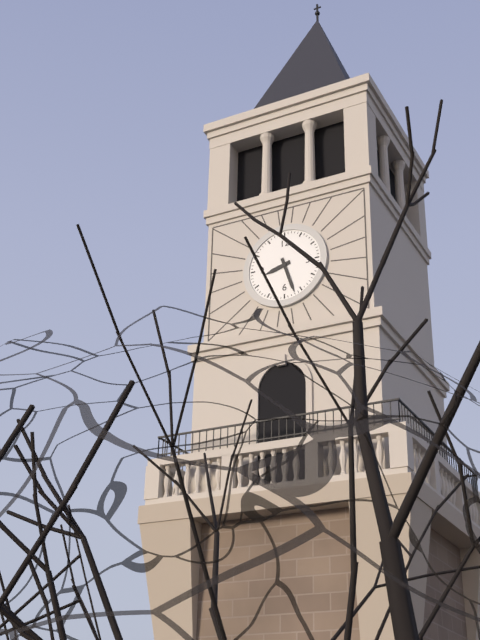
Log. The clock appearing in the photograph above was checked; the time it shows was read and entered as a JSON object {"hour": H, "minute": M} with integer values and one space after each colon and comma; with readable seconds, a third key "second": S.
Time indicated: {"hour": 8, "minute": 27}
